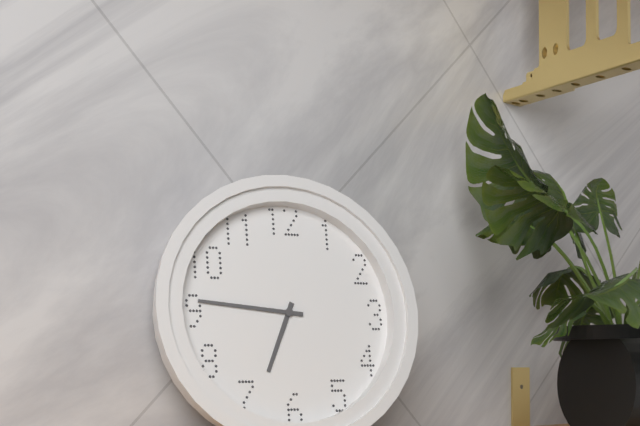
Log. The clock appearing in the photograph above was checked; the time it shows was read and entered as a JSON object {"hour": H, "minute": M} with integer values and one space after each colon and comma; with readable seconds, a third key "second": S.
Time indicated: {"hour": 6, "minute": 46}
